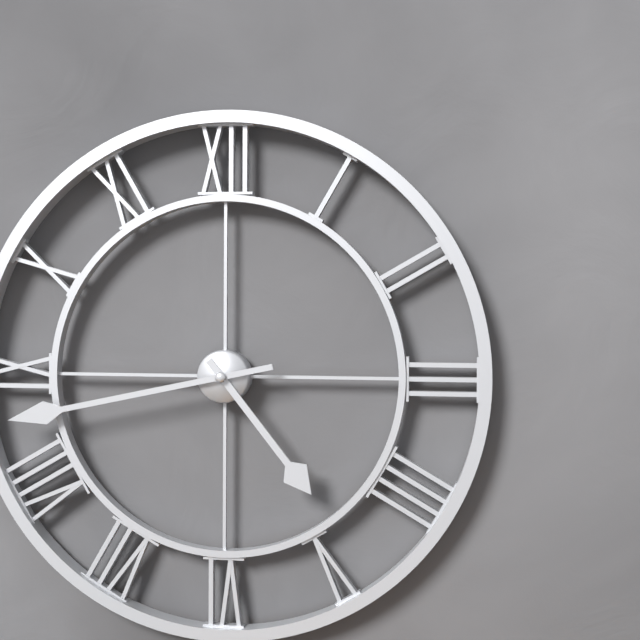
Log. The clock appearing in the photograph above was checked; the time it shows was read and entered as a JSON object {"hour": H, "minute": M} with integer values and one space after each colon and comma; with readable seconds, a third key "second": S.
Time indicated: {"hour": 4, "minute": 43}
